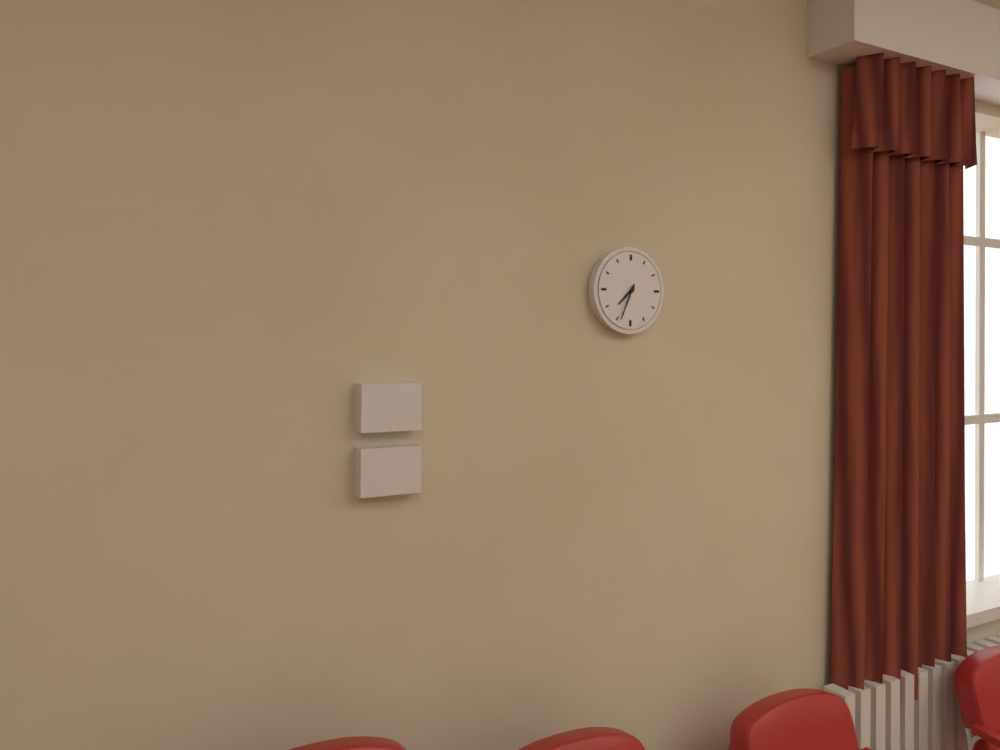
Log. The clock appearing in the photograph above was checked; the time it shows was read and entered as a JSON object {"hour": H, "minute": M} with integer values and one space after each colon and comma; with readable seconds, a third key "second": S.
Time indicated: {"hour": 7, "minute": 34}
